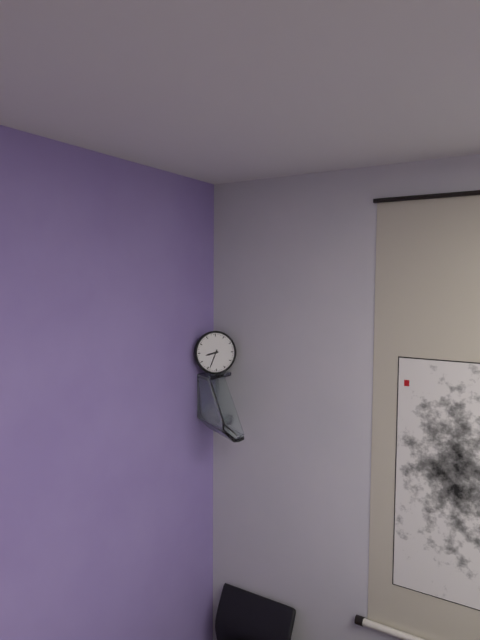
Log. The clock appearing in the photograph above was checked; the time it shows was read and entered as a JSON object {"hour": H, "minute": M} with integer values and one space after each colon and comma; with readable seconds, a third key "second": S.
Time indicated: {"hour": 8, "minute": 34}
